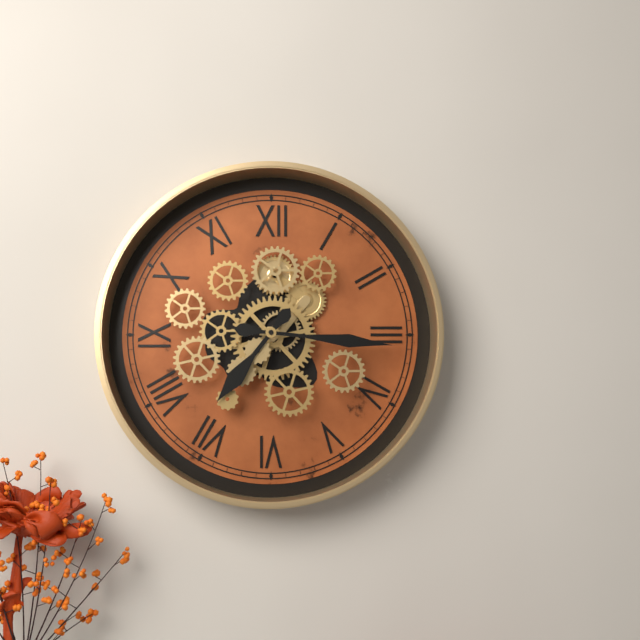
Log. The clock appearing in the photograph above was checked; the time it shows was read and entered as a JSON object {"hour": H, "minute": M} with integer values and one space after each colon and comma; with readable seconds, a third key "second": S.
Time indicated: {"hour": 7, "minute": 16}
